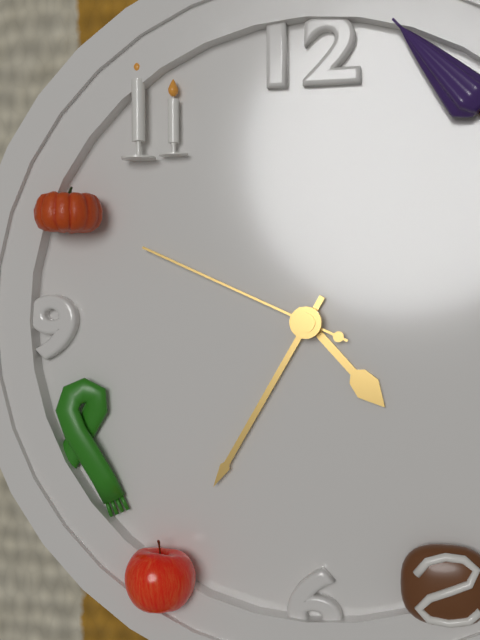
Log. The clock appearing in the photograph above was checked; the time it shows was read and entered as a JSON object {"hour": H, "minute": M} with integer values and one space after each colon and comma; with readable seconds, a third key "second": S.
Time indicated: {"hour": 4, "minute": 35, "second": 49}
